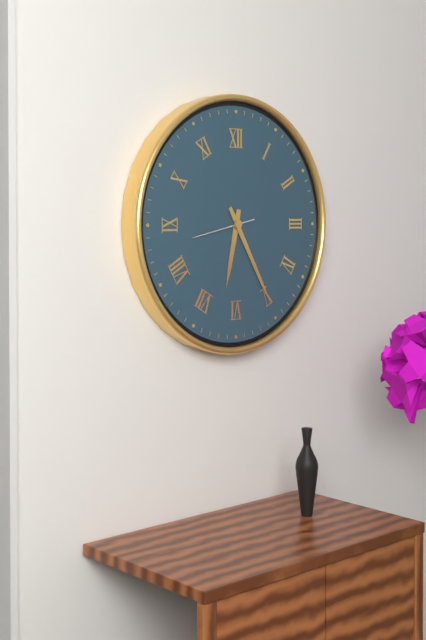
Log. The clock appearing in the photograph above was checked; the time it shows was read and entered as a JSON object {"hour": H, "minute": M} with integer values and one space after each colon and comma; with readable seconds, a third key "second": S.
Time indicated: {"hour": 6, "minute": 25, "second": 43}
